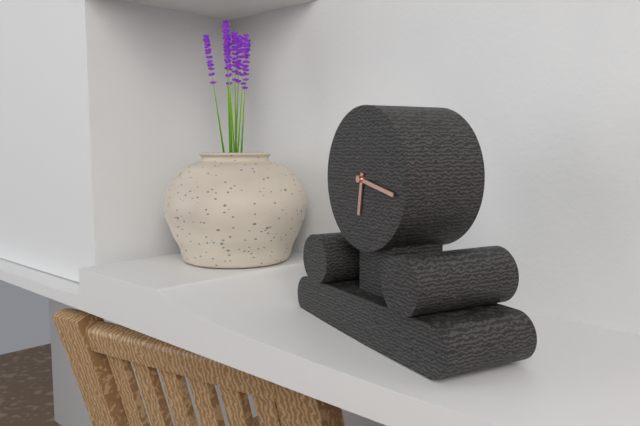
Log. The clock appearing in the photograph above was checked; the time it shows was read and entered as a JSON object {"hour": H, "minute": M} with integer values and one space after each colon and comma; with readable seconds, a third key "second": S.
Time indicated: {"hour": 6, "minute": 17}
